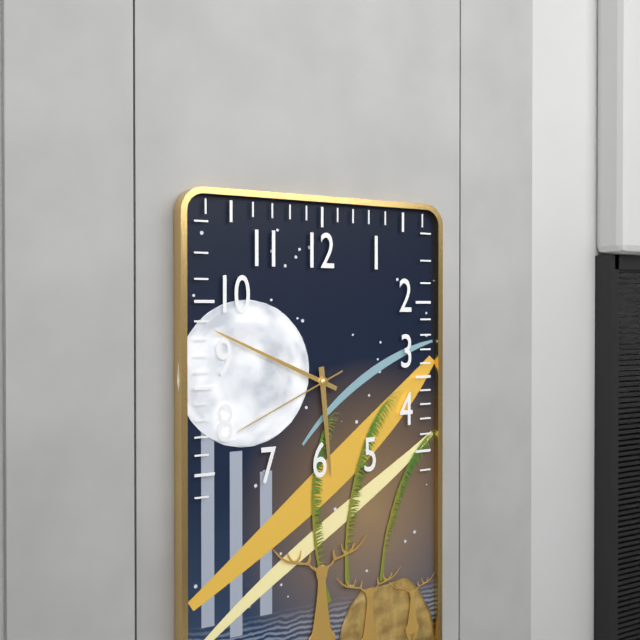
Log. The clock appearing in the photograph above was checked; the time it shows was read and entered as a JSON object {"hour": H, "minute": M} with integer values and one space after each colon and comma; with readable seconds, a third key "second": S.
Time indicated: {"hour": 5, "minute": 49, "second": 41}
